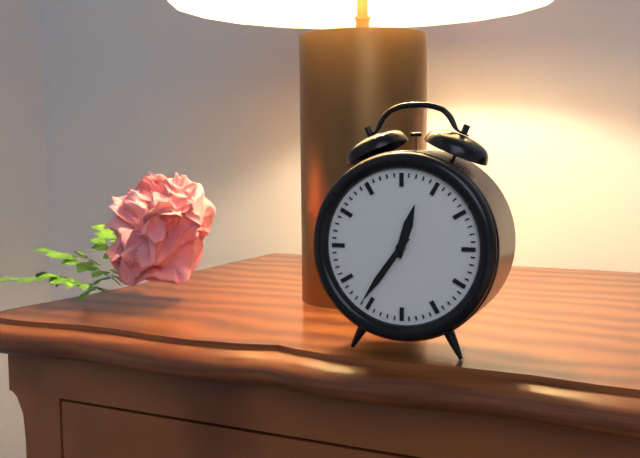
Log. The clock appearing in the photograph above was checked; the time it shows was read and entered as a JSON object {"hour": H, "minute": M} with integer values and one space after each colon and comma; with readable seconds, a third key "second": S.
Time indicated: {"hour": 12, "minute": 36}
